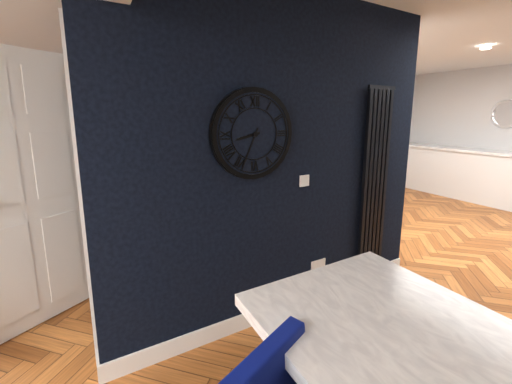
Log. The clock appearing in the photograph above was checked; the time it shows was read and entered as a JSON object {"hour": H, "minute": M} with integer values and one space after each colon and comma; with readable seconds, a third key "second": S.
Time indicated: {"hour": 8, "minute": 34}
